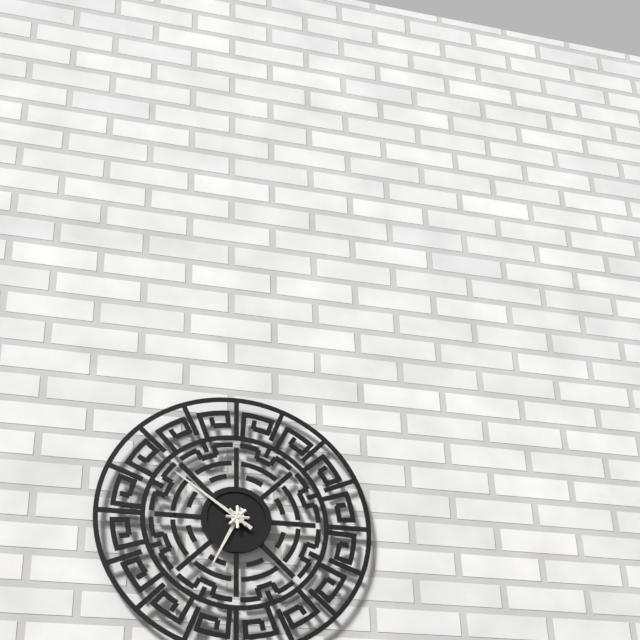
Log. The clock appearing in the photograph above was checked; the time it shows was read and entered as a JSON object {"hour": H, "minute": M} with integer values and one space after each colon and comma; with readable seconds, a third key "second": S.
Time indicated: {"hour": 6, "minute": 51}
